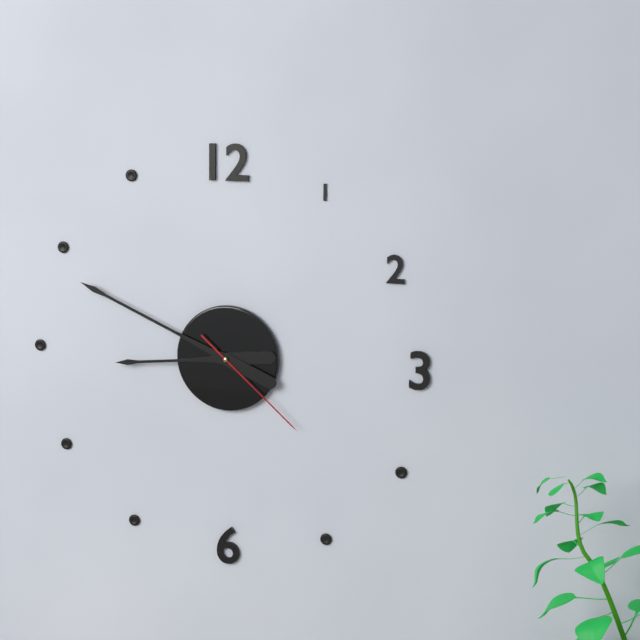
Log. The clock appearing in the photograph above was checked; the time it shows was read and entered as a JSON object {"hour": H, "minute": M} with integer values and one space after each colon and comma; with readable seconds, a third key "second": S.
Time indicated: {"hour": 8, "minute": 49, "second": 22}
